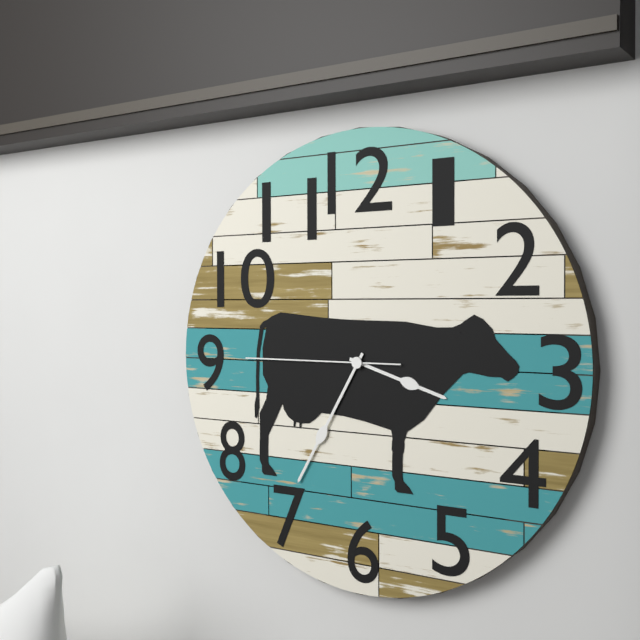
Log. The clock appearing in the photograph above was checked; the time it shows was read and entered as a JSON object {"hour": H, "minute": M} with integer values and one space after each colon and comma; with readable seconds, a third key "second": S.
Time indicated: {"hour": 3, "minute": 35, "second": 45}
